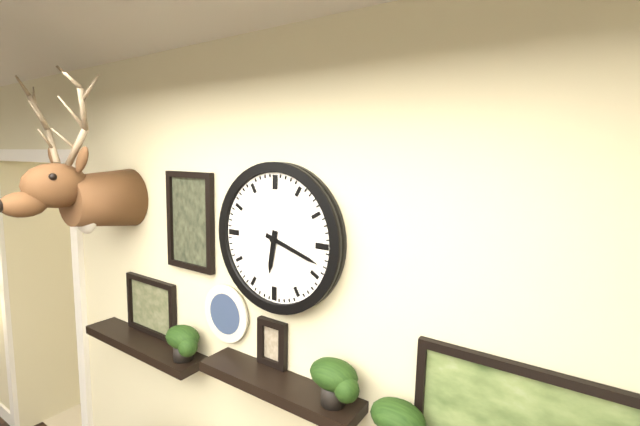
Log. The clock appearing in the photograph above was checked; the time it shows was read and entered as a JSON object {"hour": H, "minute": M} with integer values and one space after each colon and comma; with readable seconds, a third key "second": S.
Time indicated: {"hour": 6, "minute": 18}
